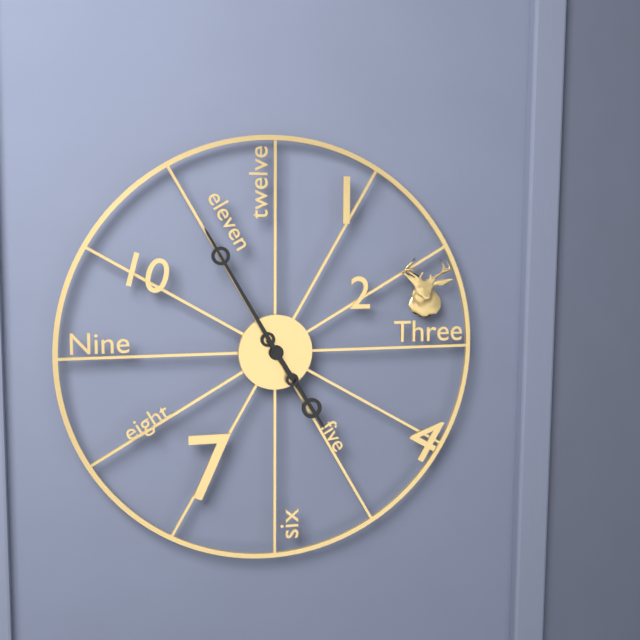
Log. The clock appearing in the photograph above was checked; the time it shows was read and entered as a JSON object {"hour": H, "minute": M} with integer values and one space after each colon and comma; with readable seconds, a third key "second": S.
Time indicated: {"hour": 4, "minute": 55}
